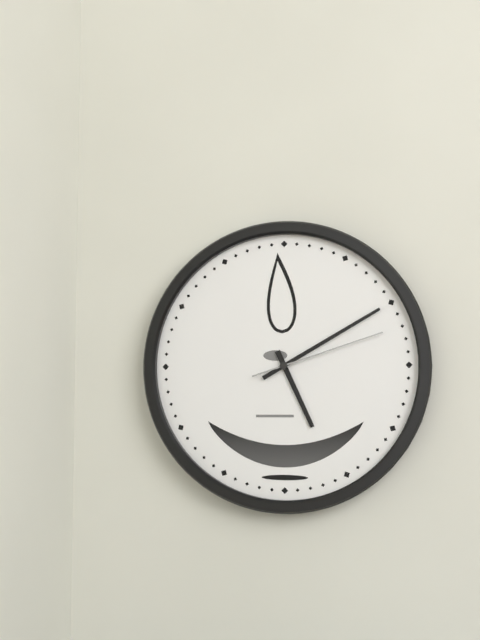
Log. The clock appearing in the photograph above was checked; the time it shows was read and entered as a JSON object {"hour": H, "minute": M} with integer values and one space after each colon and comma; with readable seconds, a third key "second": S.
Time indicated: {"hour": 5, "minute": 10, "second": 12}
